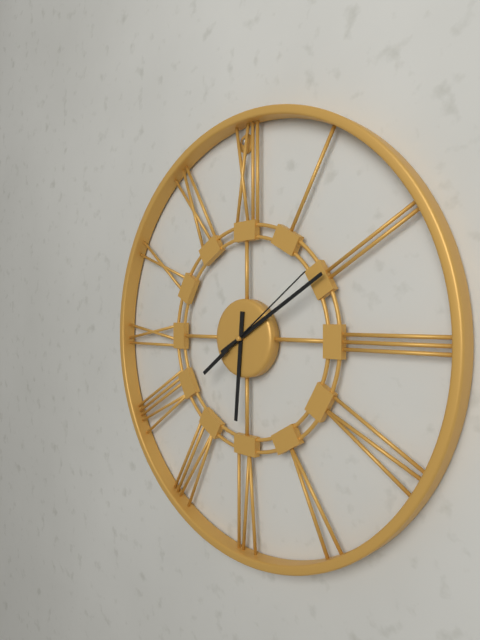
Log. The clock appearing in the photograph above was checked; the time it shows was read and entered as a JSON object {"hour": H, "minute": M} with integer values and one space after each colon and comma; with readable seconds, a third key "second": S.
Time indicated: {"hour": 6, "minute": 10, "second": 9}
